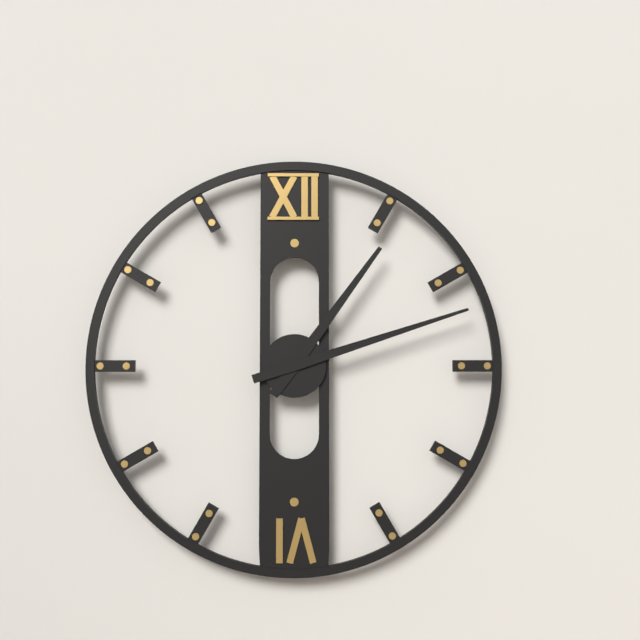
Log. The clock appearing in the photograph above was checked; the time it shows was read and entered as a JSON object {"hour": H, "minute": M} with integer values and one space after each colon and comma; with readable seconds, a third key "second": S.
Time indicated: {"hour": 1, "minute": 12}
